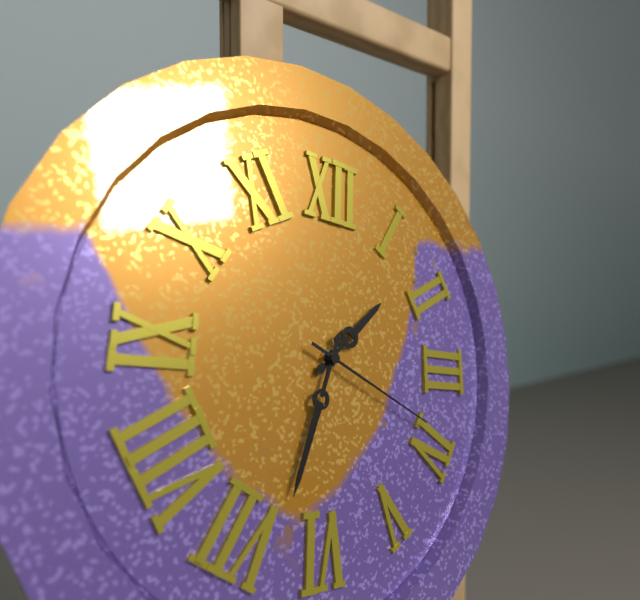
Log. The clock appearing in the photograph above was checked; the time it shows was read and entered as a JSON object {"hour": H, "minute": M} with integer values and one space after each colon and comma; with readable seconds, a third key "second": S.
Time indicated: {"hour": 1, "minute": 33, "second": 19}
